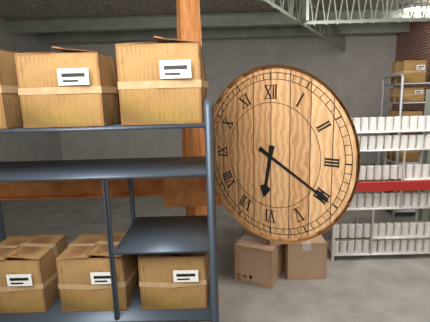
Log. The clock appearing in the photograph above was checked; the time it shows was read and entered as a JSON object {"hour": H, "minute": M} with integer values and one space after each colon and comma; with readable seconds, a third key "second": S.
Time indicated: {"hour": 6, "minute": 20}
